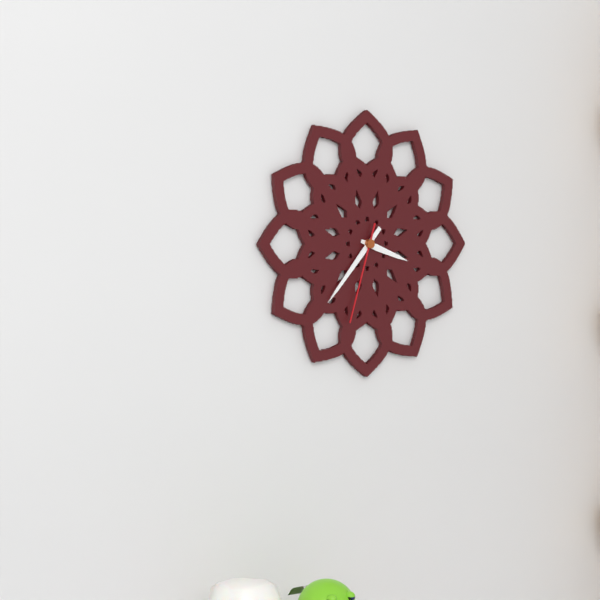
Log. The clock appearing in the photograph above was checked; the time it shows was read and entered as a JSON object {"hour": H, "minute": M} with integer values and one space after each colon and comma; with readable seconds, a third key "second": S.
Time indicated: {"hour": 3, "minute": 37, "second": 33}
